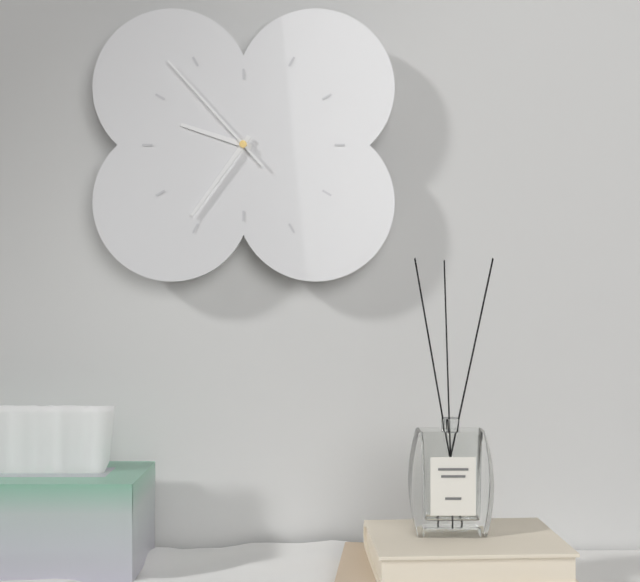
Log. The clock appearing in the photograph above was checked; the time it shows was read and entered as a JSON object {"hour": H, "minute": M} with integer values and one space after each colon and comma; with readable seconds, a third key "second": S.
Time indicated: {"hour": 9, "minute": 36, "second": 53}
